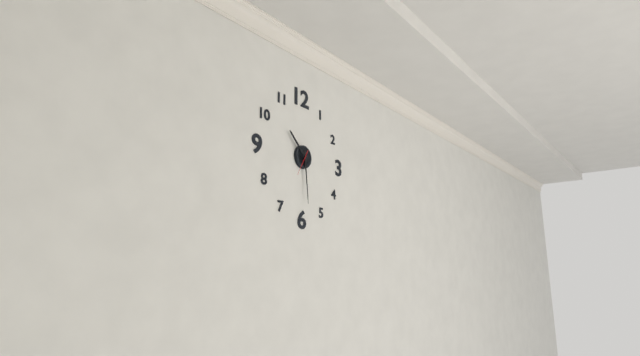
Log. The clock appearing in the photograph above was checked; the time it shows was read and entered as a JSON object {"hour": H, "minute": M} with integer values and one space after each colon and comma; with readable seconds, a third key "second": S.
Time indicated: {"hour": 10, "minute": 29}
